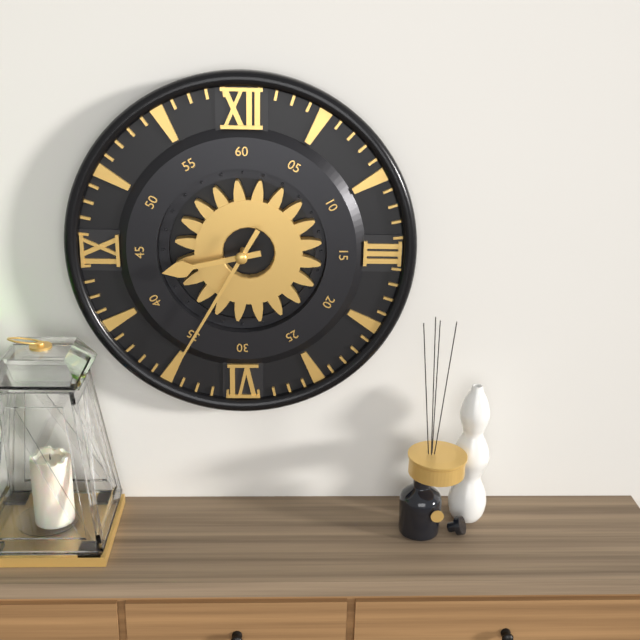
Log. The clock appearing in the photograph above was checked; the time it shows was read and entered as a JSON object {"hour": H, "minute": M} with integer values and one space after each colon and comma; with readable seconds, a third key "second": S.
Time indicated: {"hour": 8, "minute": 35}
